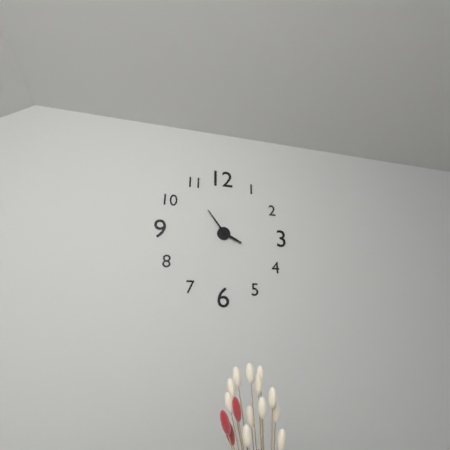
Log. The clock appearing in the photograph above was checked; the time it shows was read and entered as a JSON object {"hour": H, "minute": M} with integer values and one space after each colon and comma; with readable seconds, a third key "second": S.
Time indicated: {"hour": 3, "minute": 54}
